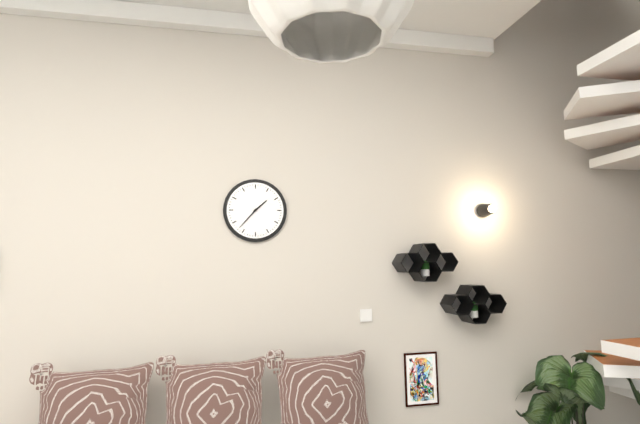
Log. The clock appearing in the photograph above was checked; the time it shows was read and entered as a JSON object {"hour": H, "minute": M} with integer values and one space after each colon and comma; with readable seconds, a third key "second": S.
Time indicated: {"hour": 1, "minute": 37}
